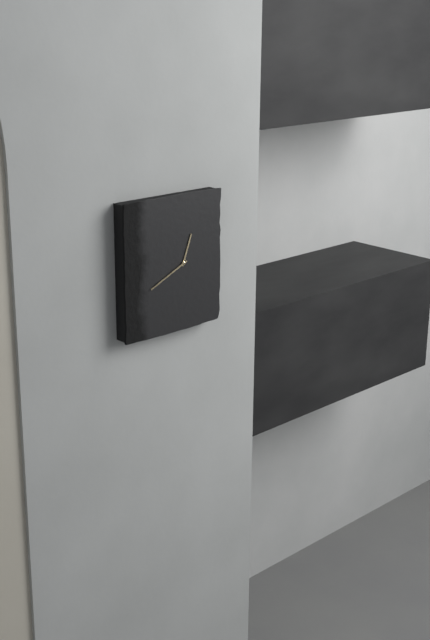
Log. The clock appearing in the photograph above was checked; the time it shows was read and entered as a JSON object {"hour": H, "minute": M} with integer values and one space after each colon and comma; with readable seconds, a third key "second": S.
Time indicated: {"hour": 12, "minute": 41}
